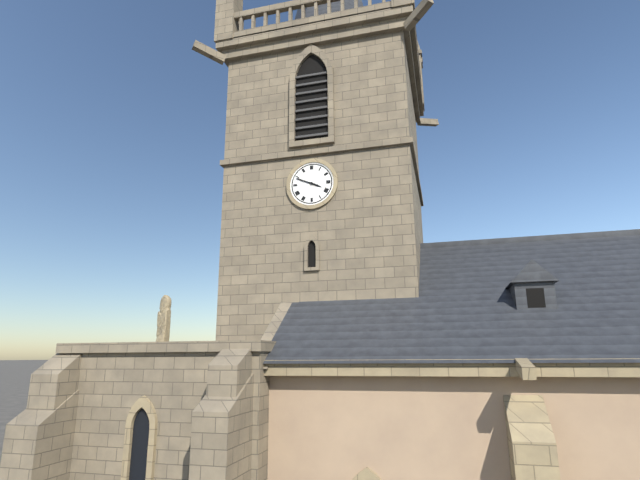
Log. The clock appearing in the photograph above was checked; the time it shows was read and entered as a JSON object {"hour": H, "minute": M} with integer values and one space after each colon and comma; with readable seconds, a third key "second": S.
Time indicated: {"hour": 3, "minute": 49}
